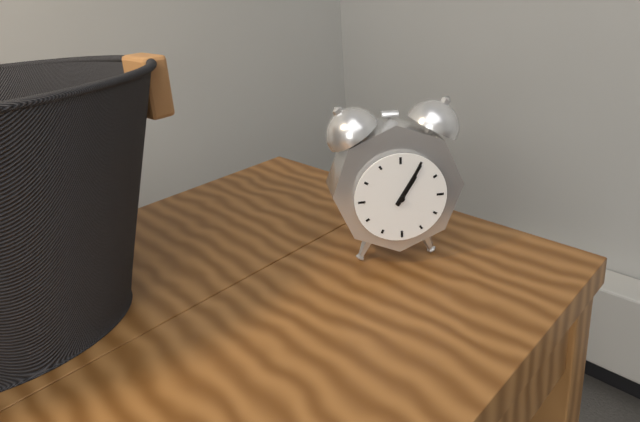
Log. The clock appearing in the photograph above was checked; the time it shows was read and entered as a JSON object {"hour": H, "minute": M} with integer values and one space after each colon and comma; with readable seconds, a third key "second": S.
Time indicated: {"hour": 1, "minute": 5}
